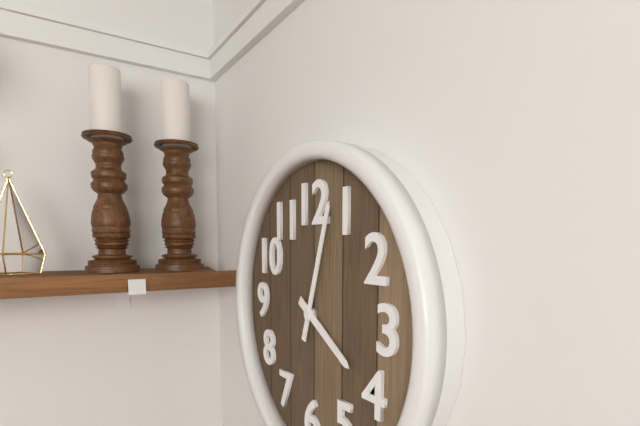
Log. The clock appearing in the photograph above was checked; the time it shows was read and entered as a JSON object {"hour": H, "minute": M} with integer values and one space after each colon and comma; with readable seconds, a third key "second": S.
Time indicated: {"hour": 4, "minute": 3}
